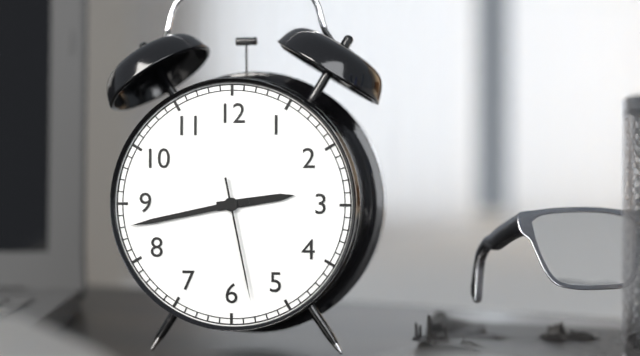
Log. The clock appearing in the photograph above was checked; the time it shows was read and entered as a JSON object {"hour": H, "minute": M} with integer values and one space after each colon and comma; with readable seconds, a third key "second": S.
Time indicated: {"hour": 2, "minute": 43, "second": 28}
